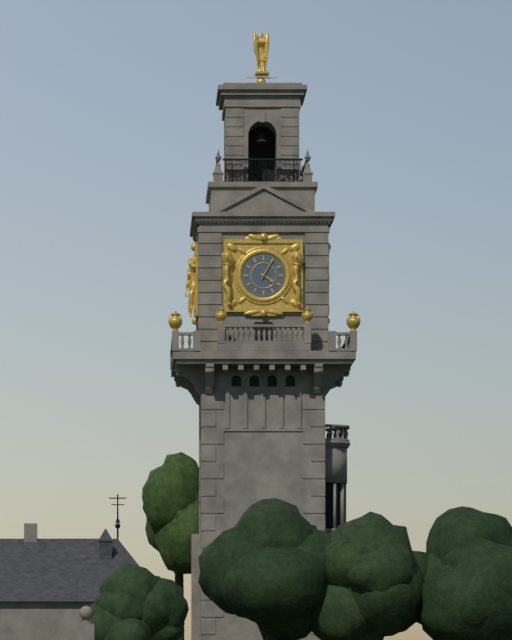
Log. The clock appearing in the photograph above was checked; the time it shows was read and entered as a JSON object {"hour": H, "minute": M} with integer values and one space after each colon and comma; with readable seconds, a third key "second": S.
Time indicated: {"hour": 4, "minute": 5}
